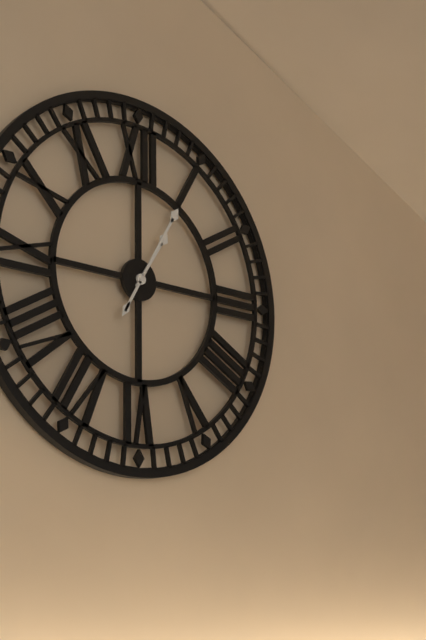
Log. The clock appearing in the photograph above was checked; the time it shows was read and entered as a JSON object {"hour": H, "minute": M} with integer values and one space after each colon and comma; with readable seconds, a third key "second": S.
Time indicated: {"hour": 1, "minute": 5}
